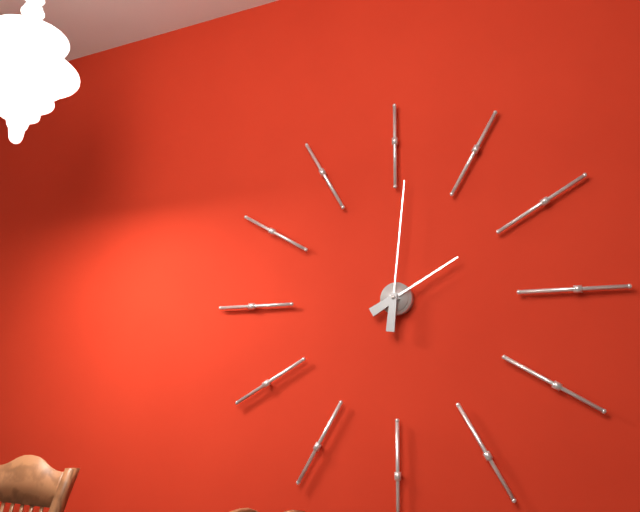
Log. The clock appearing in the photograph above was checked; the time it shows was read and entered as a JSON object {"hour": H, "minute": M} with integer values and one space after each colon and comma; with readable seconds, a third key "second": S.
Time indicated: {"hour": 2, "minute": 1}
